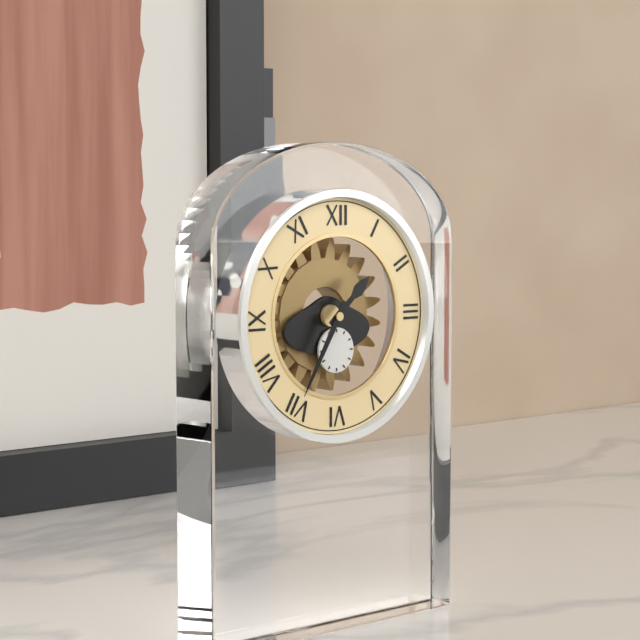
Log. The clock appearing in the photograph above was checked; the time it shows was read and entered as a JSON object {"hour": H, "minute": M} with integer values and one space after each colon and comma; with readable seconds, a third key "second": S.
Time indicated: {"hour": 1, "minute": 35}
